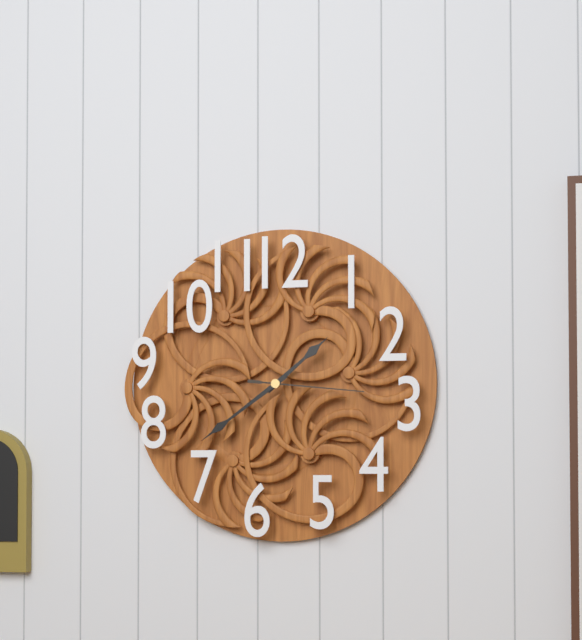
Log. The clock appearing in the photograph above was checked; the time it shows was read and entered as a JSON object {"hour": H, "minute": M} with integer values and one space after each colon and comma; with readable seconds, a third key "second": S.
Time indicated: {"hour": 1, "minute": 39, "second": 16}
